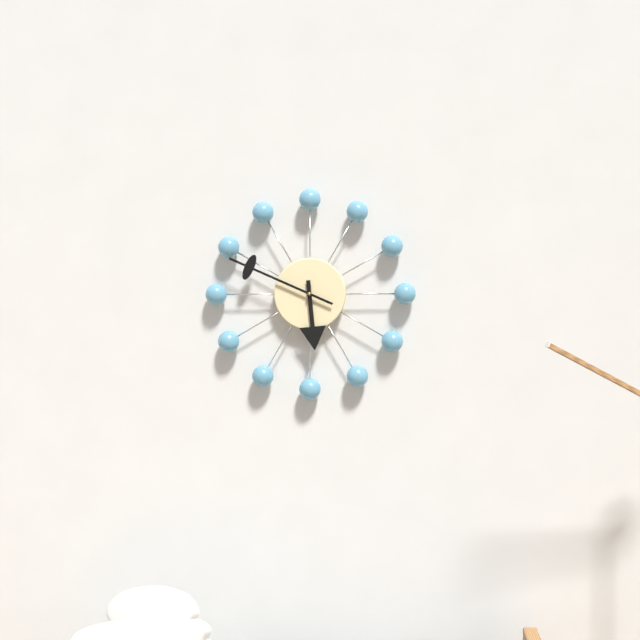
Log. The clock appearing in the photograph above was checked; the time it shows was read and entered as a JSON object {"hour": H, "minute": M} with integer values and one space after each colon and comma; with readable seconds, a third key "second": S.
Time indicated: {"hour": 5, "minute": 49}
